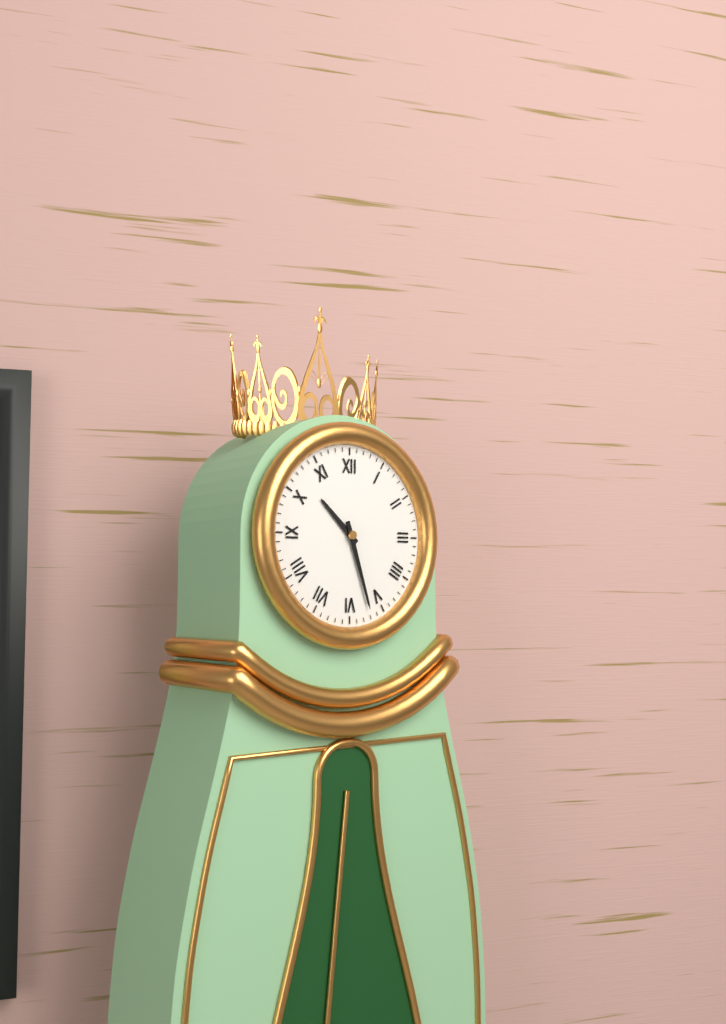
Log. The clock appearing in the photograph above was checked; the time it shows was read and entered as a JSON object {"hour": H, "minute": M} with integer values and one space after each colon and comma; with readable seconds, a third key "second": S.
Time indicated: {"hour": 10, "minute": 27}
